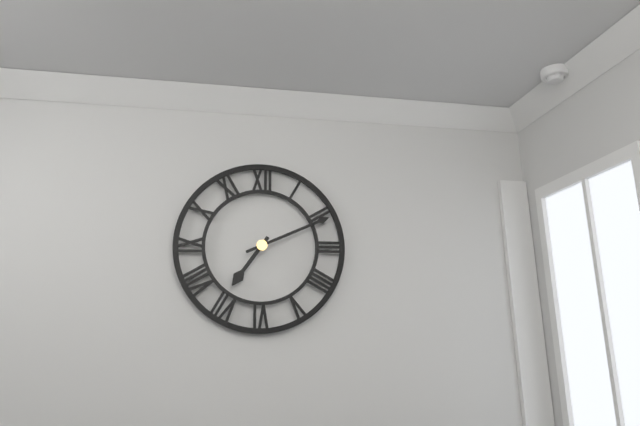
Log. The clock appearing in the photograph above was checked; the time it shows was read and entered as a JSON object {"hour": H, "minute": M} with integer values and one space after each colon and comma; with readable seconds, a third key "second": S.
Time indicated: {"hour": 7, "minute": 11}
